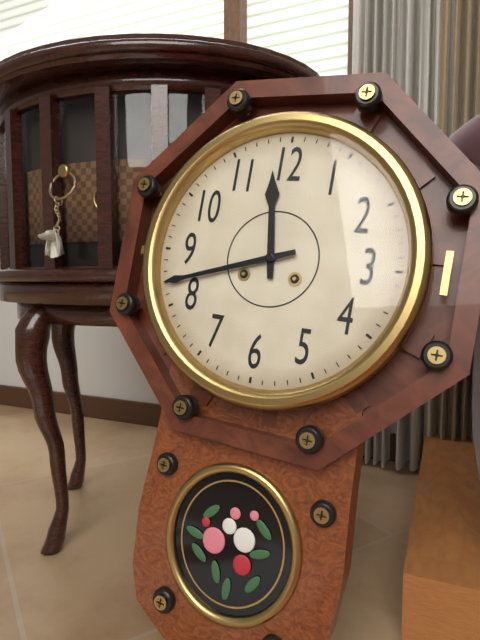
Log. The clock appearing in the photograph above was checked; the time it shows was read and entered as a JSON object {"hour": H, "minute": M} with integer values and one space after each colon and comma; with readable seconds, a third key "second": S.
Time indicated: {"hour": 11, "minute": 42}
